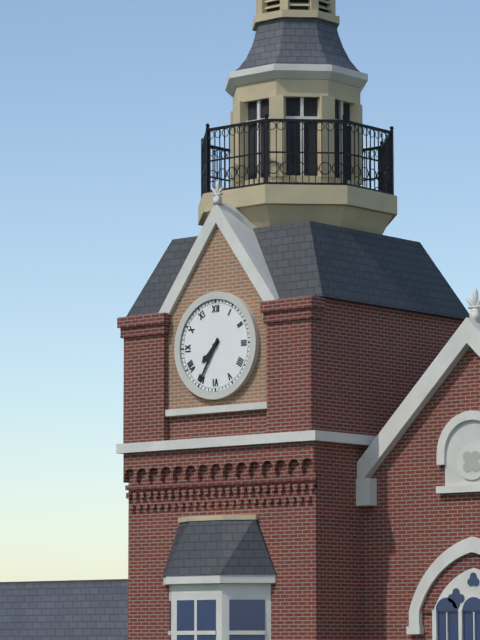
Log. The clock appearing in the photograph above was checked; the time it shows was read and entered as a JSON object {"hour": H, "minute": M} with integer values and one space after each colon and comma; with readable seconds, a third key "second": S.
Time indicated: {"hour": 7, "minute": 35}
